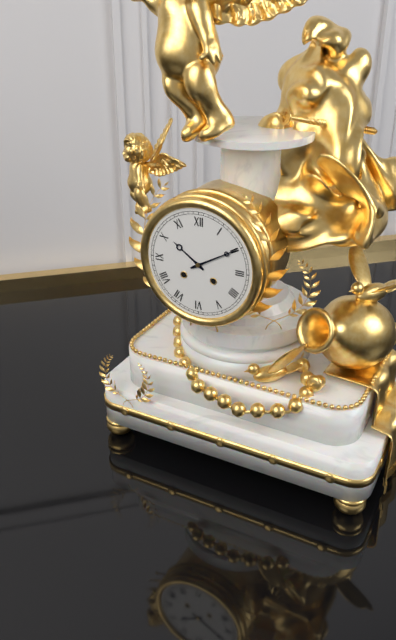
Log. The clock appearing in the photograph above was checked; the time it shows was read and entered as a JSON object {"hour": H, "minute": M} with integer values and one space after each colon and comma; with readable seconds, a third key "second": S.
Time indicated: {"hour": 10, "minute": 10}
